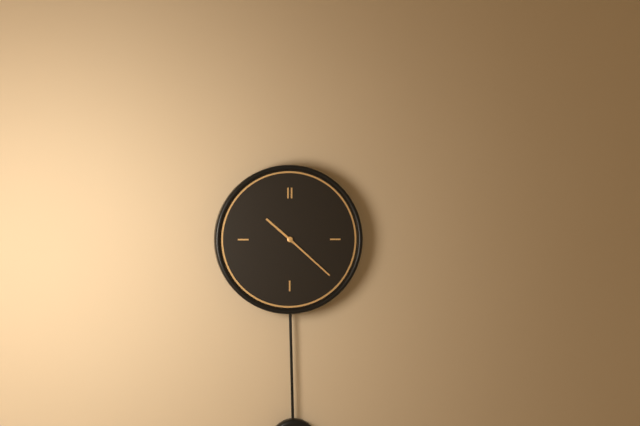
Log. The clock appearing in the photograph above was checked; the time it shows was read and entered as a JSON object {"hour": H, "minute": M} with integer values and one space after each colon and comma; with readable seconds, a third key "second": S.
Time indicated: {"hour": 10, "minute": 22}
